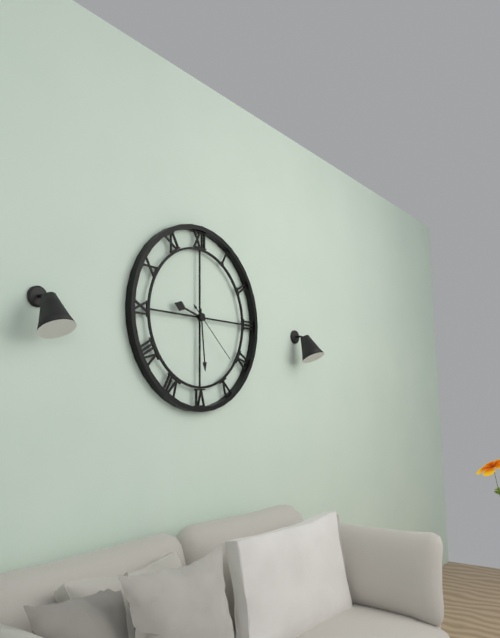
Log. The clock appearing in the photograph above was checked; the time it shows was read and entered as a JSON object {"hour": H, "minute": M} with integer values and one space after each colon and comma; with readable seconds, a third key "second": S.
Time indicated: {"hour": 9, "minute": 29, "second": 22}
